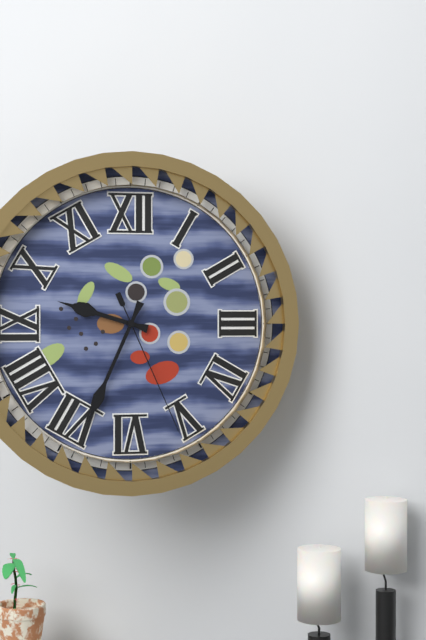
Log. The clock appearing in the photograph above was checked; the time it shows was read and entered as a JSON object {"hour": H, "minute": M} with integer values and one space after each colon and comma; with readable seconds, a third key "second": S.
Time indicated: {"hour": 9, "minute": 34, "second": 26}
